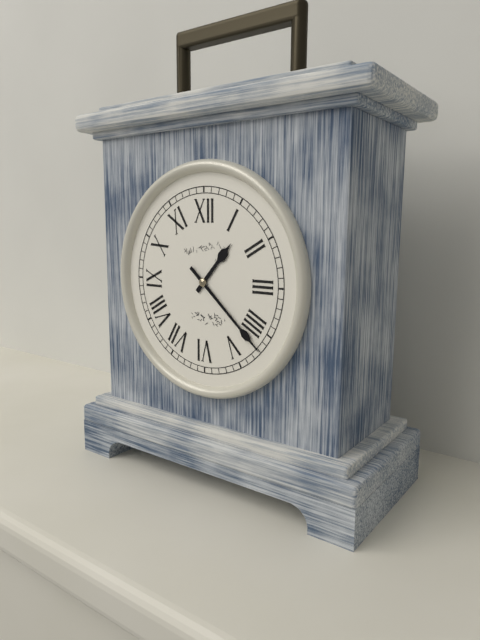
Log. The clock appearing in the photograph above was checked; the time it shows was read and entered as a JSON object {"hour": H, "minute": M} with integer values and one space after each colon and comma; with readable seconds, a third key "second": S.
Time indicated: {"hour": 1, "minute": 22}
